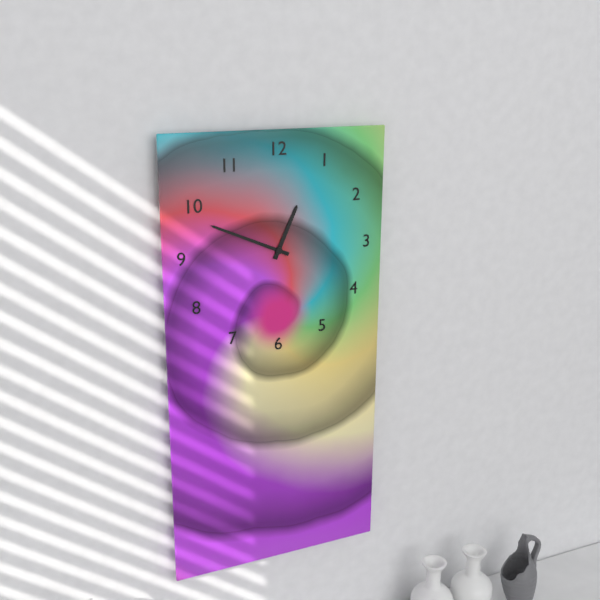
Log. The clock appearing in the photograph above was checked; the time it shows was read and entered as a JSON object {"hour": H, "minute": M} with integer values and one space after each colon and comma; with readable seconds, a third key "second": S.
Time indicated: {"hour": 12, "minute": 49}
